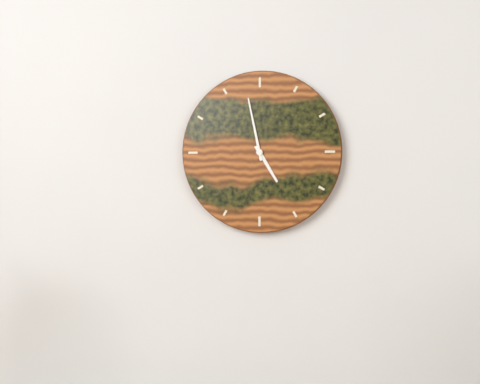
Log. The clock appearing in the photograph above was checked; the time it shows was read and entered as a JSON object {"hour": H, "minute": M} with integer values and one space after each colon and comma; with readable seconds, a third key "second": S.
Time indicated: {"hour": 4, "minute": 58}
